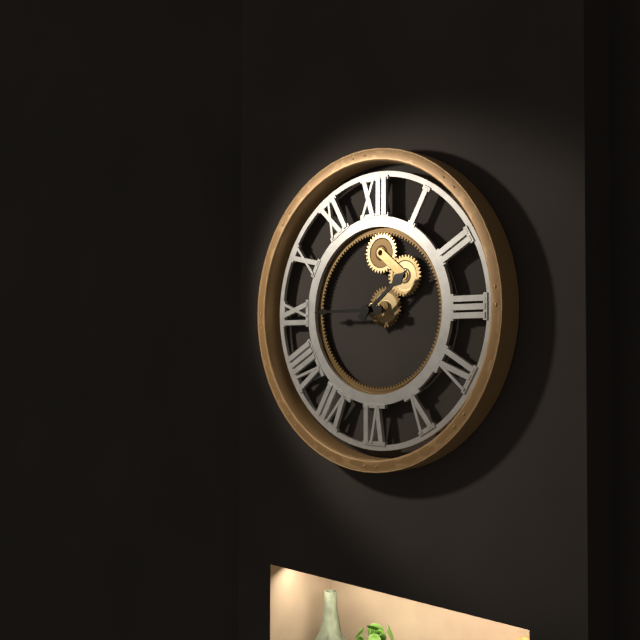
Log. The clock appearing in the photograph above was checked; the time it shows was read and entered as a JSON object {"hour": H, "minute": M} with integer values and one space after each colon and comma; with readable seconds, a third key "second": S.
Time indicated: {"hour": 1, "minute": 45}
